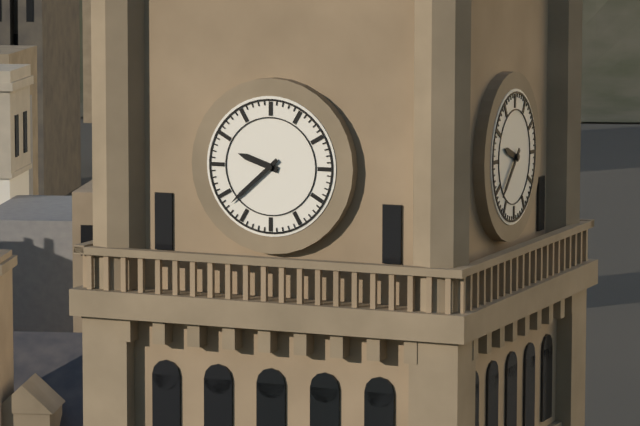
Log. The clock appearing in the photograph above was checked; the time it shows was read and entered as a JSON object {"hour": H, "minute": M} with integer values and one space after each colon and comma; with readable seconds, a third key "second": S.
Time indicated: {"hour": 9, "minute": 38}
